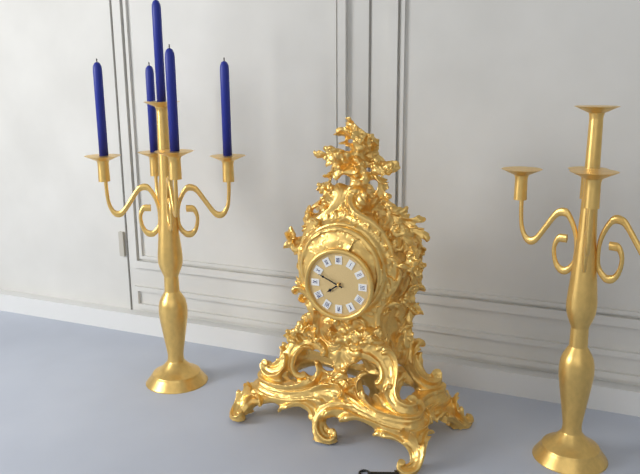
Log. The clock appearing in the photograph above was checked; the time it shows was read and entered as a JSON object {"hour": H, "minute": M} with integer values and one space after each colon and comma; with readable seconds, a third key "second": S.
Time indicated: {"hour": 7, "minute": 49}
